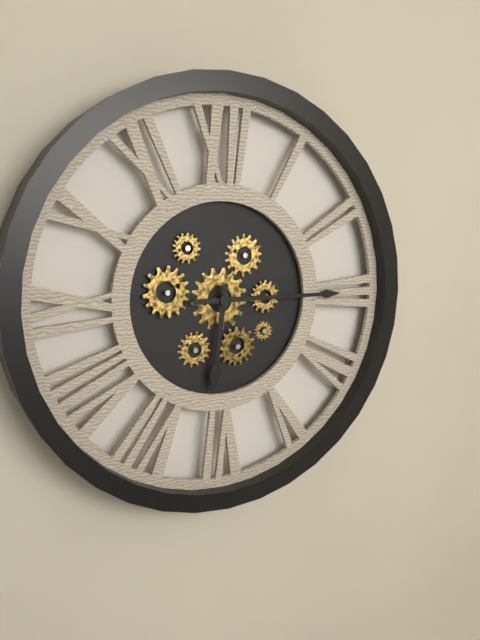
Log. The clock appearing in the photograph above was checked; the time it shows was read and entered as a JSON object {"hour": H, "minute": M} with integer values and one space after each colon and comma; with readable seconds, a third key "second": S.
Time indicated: {"hour": 6, "minute": 15}
